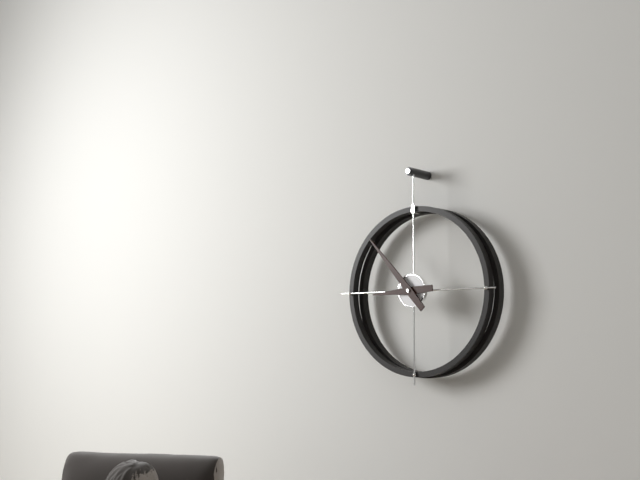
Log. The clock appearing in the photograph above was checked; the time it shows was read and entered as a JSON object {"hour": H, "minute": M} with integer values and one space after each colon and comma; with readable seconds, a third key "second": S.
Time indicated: {"hour": 8, "minute": 53}
